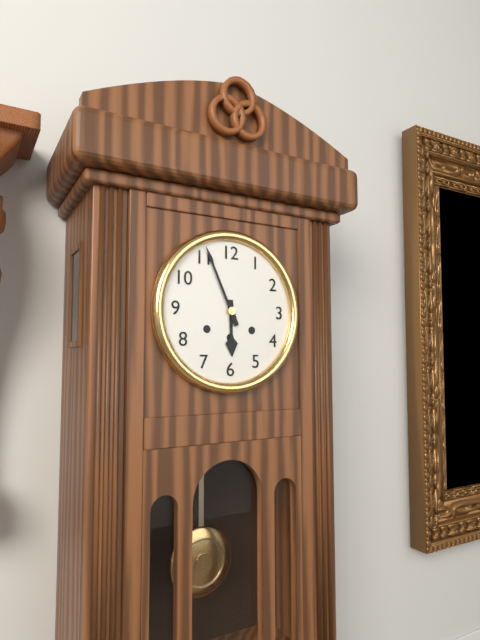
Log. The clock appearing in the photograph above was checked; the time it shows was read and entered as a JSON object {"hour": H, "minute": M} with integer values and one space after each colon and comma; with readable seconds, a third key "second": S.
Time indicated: {"hour": 5, "minute": 56}
